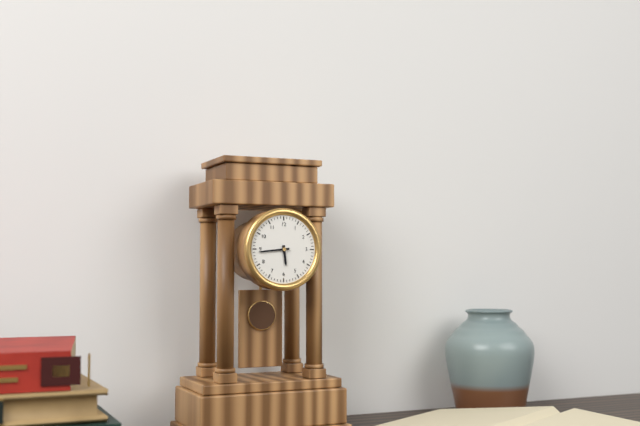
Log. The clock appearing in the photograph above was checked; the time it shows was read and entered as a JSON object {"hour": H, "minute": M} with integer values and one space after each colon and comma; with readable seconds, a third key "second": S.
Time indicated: {"hour": 5, "minute": 44}
